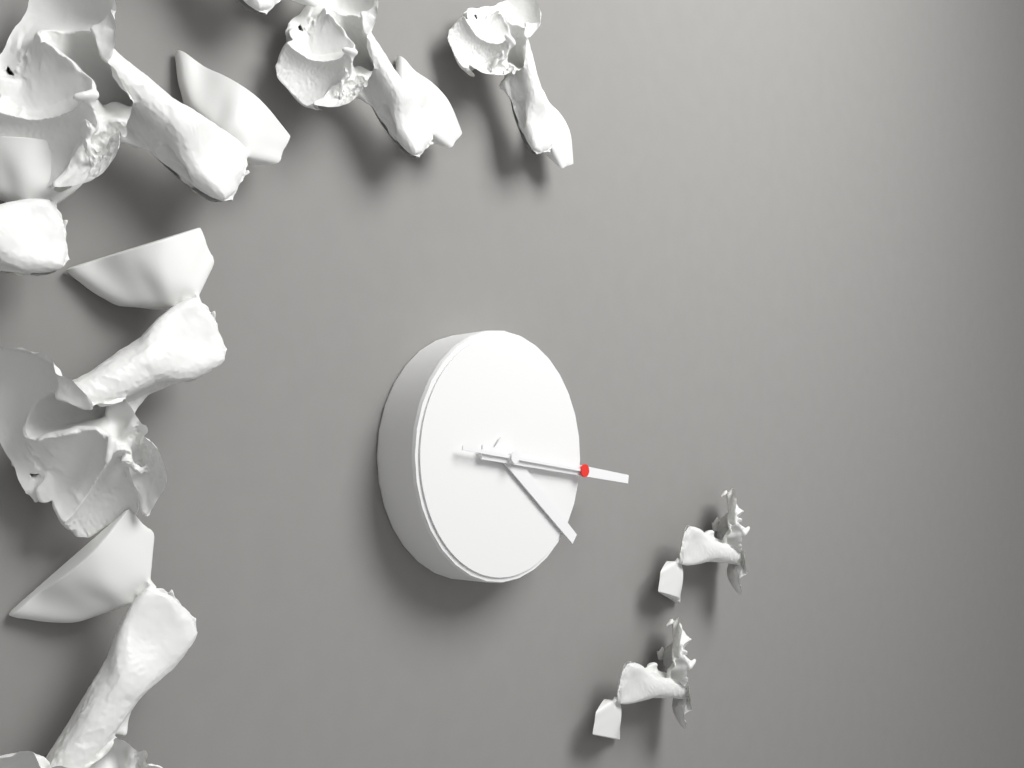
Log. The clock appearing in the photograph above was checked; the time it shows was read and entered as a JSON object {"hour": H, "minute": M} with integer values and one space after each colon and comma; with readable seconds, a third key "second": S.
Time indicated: {"hour": 4, "minute": 16, "second": 16}
